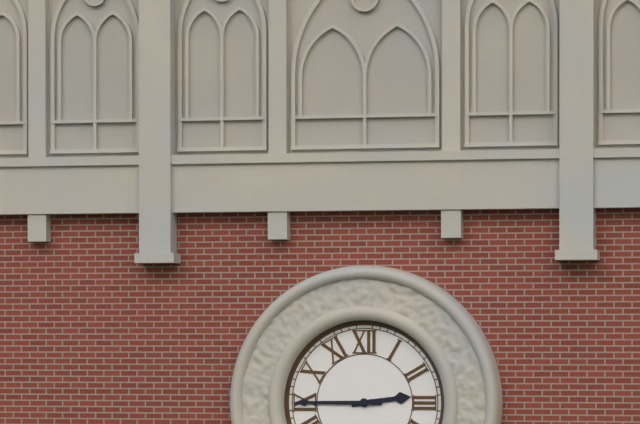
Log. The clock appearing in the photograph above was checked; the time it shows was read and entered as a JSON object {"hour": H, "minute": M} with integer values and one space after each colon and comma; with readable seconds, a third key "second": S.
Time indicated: {"hour": 2, "minute": 45}
